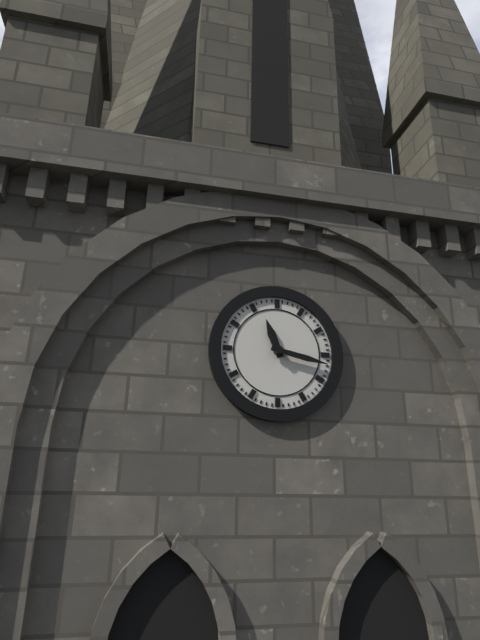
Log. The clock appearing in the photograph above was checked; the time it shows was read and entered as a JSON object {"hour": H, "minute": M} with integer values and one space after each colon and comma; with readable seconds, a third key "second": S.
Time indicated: {"hour": 11, "minute": 17}
